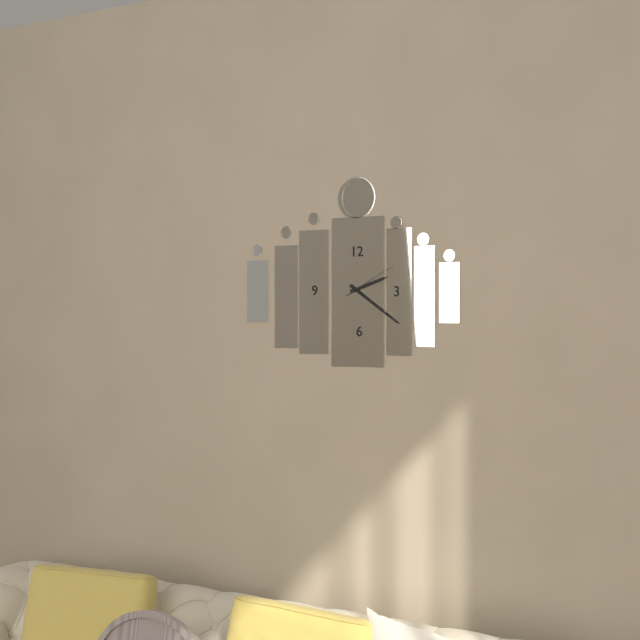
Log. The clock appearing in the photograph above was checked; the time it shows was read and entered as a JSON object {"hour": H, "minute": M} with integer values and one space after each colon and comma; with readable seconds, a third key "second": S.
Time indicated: {"hour": 2, "minute": 21, "second": 10}
